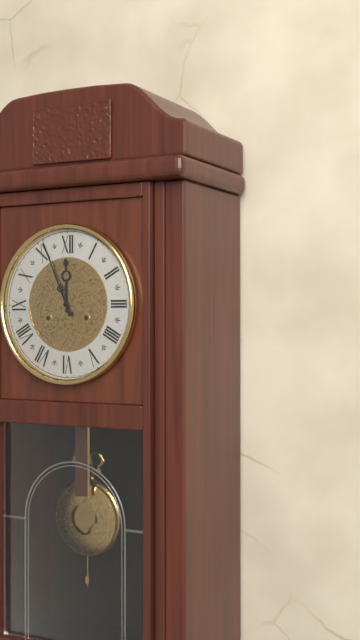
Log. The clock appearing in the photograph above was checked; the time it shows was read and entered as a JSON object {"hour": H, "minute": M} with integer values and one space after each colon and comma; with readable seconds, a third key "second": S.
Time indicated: {"hour": 11, "minute": 56}
